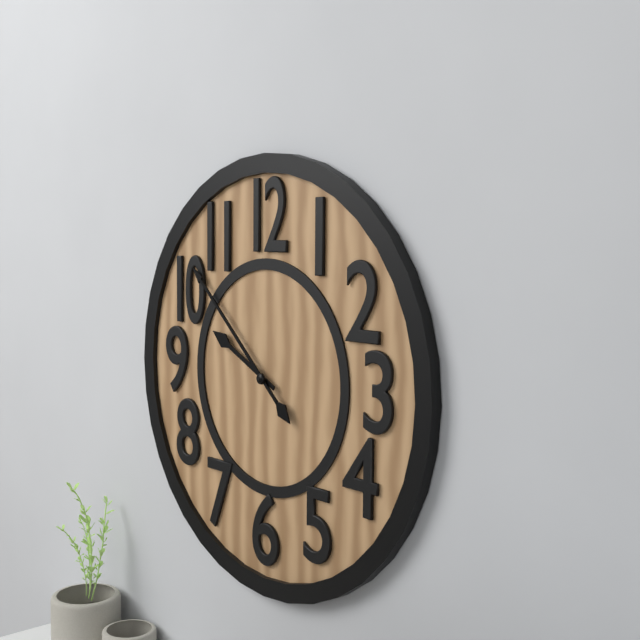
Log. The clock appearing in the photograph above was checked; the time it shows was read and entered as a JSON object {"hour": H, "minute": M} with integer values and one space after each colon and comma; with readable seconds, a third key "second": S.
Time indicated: {"hour": 9, "minute": 52}
